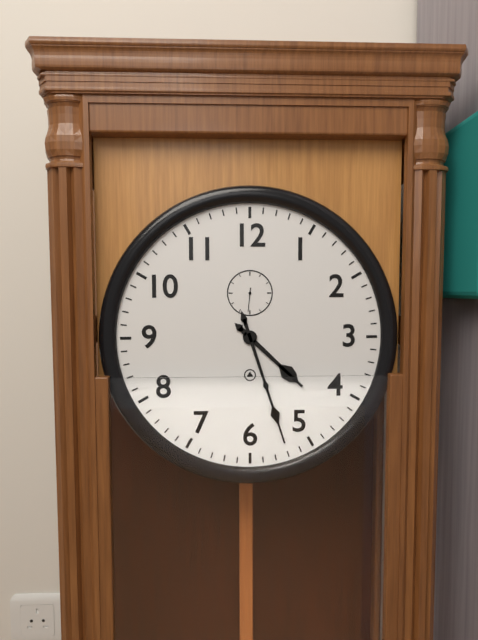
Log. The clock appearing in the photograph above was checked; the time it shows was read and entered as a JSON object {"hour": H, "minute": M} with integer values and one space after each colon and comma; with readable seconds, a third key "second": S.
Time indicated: {"hour": 4, "minute": 27}
